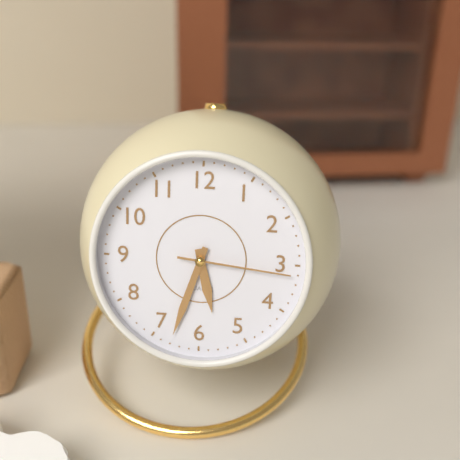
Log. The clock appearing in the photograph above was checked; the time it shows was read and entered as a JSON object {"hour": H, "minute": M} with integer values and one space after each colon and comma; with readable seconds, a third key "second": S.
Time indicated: {"hour": 5, "minute": 33, "second": 16}
